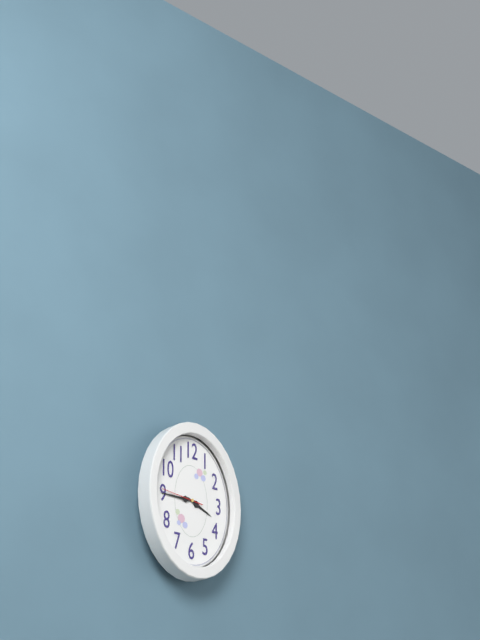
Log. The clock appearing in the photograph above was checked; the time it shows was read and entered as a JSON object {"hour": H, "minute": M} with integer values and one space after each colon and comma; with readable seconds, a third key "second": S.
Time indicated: {"hour": 3, "minute": 45}
